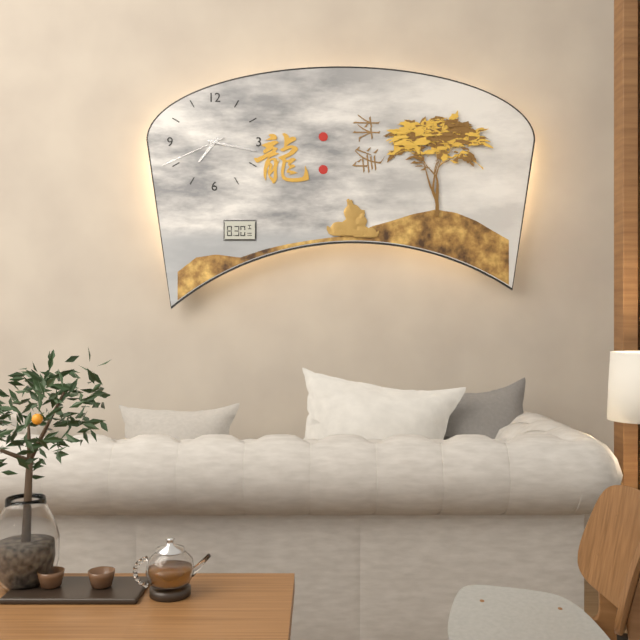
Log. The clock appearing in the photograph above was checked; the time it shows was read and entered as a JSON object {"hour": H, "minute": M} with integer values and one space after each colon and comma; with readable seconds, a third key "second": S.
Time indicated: {"hour": 7, "minute": 17, "second": 41}
